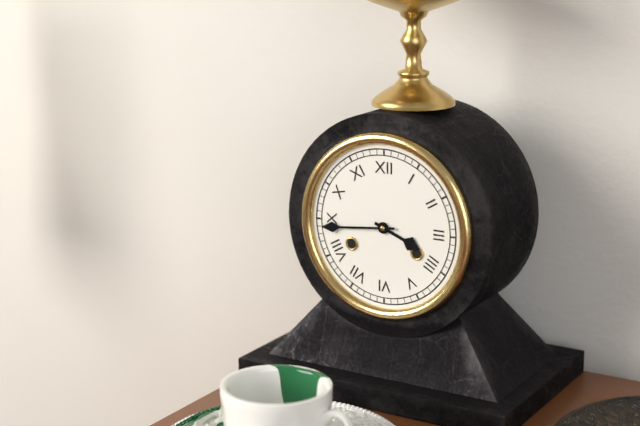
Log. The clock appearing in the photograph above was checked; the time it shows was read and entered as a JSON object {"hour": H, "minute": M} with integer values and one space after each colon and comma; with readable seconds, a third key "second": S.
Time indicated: {"hour": 3, "minute": 44}
